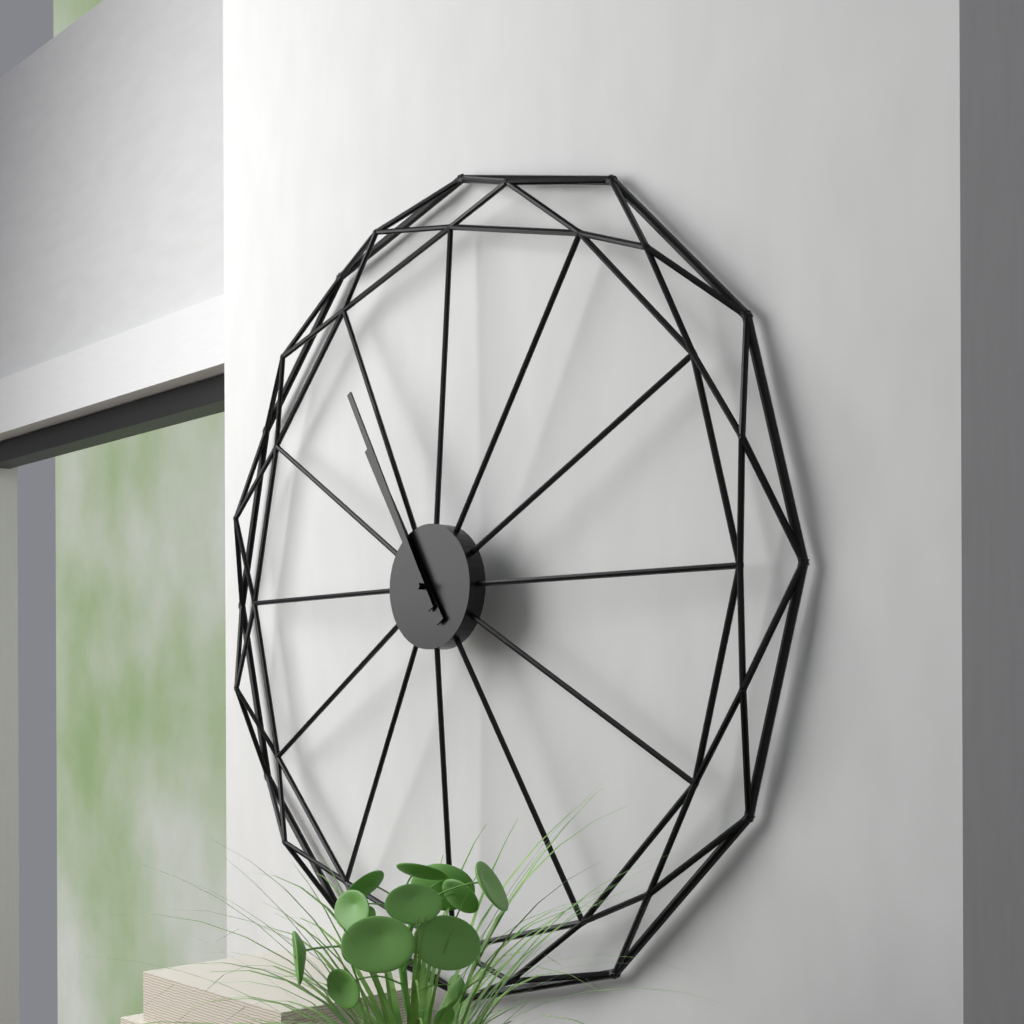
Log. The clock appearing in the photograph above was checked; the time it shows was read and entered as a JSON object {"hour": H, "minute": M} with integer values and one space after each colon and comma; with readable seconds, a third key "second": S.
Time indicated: {"hour": 10, "minute": 55}
